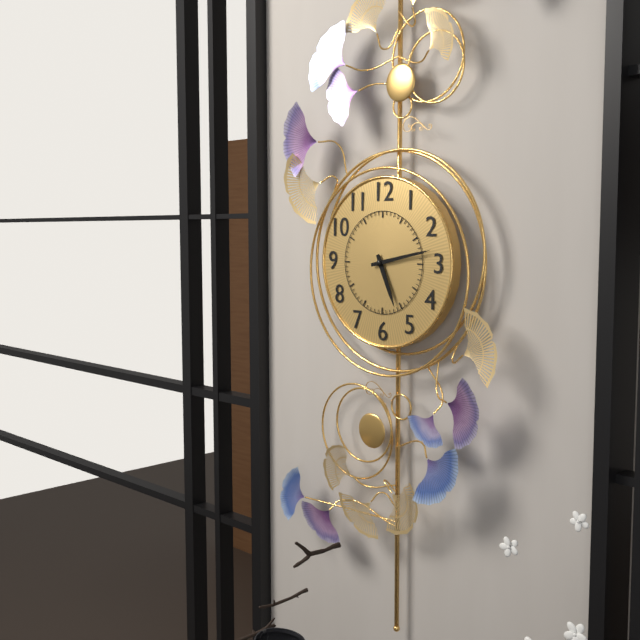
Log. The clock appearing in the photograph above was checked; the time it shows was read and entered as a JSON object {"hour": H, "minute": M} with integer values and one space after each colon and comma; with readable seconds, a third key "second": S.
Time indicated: {"hour": 5, "minute": 13}
